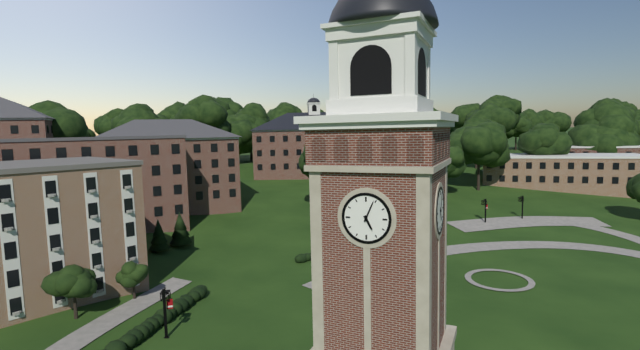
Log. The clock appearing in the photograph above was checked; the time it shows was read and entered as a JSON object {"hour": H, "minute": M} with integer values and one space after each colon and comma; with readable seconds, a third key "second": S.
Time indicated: {"hour": 5, "minute": 4}
